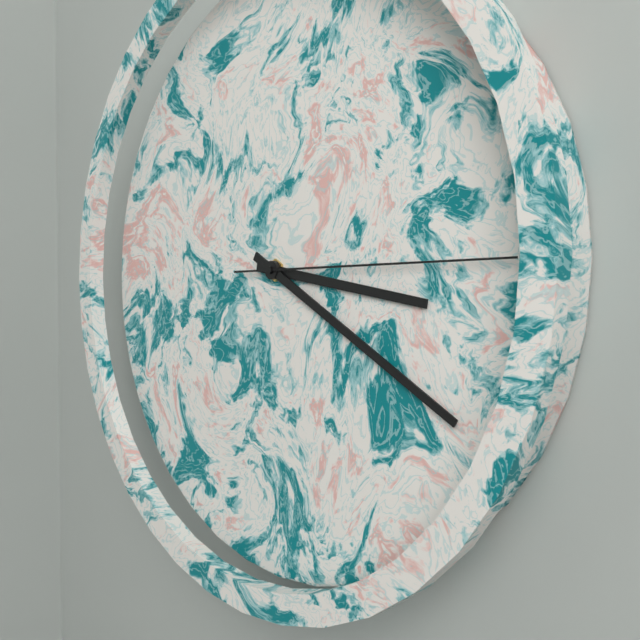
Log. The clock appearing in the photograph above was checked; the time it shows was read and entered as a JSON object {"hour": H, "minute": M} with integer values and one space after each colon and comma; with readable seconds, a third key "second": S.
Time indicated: {"hour": 3, "minute": 20, "second": 15}
